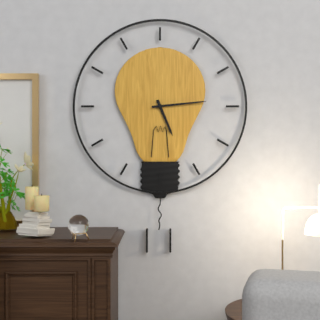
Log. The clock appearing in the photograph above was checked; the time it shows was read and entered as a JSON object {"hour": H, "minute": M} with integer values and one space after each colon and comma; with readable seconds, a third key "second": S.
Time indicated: {"hour": 5, "minute": 14}
